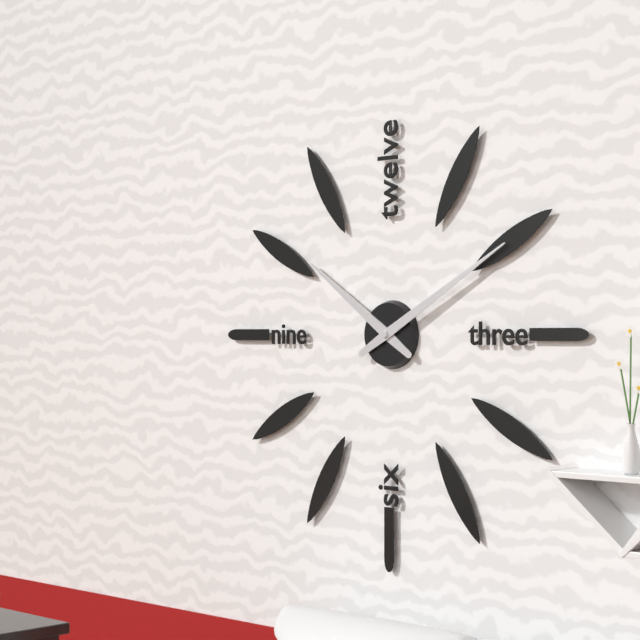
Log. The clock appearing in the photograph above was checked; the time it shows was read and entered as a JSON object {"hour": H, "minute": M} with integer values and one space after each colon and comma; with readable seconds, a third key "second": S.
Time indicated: {"hour": 10, "minute": 10}
